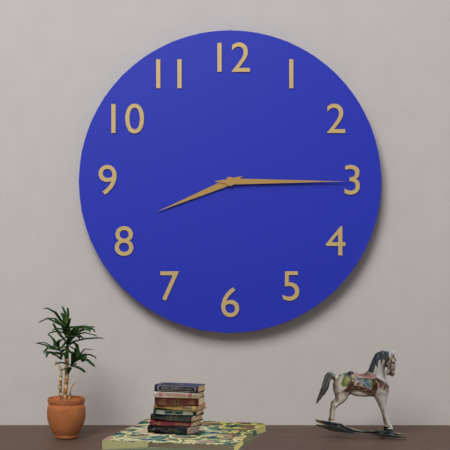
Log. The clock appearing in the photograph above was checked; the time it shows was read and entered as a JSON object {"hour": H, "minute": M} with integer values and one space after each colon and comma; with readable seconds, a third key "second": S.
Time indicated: {"hour": 8, "minute": 15}
